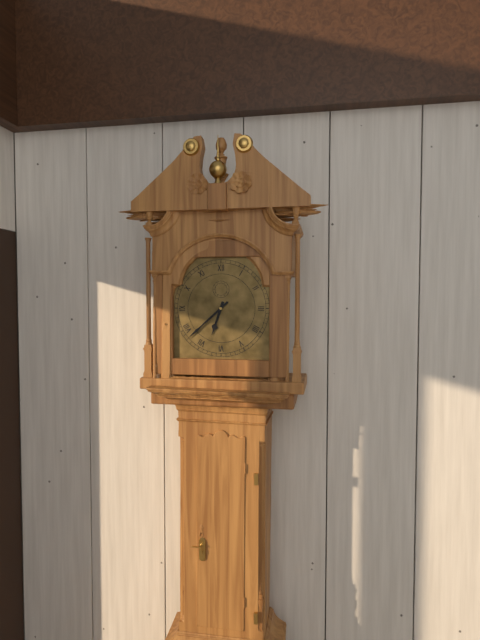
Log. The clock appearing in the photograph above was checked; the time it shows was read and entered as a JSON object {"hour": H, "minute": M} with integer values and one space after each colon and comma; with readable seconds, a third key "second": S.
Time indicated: {"hour": 6, "minute": 38}
